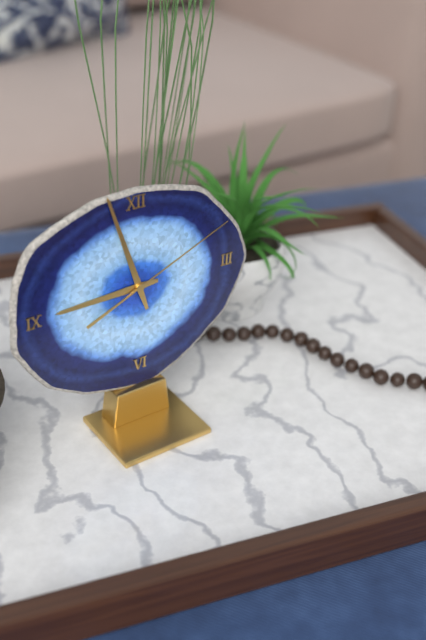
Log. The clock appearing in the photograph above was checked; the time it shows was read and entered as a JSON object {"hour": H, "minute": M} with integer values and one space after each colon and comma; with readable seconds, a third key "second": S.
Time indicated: {"hour": 8, "minute": 57, "second": 11}
